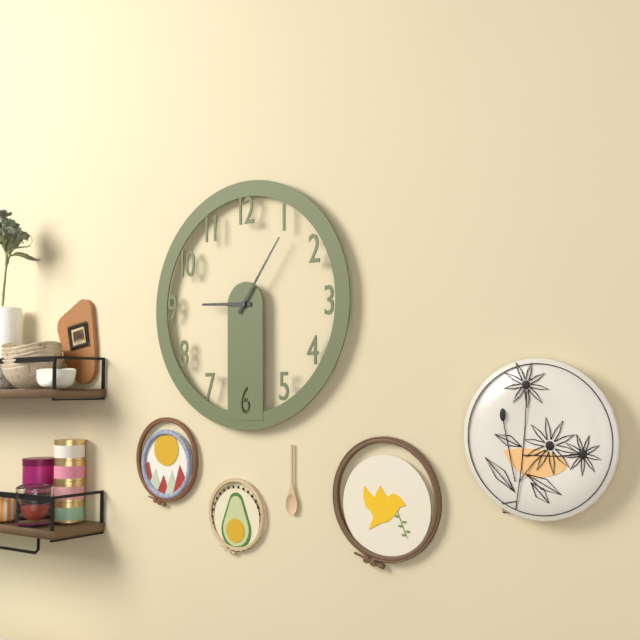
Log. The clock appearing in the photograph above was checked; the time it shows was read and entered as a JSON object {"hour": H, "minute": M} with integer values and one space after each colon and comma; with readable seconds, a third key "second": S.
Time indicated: {"hour": 9, "minute": 6}
